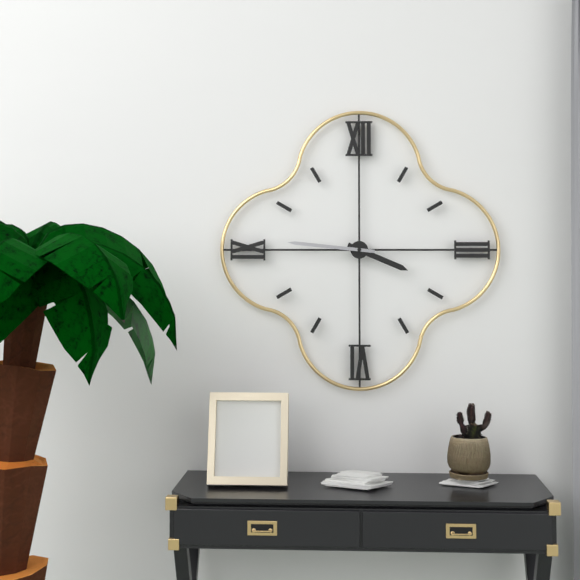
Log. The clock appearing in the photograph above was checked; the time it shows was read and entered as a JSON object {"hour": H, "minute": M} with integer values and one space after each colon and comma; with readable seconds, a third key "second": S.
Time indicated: {"hour": 3, "minute": 46}
